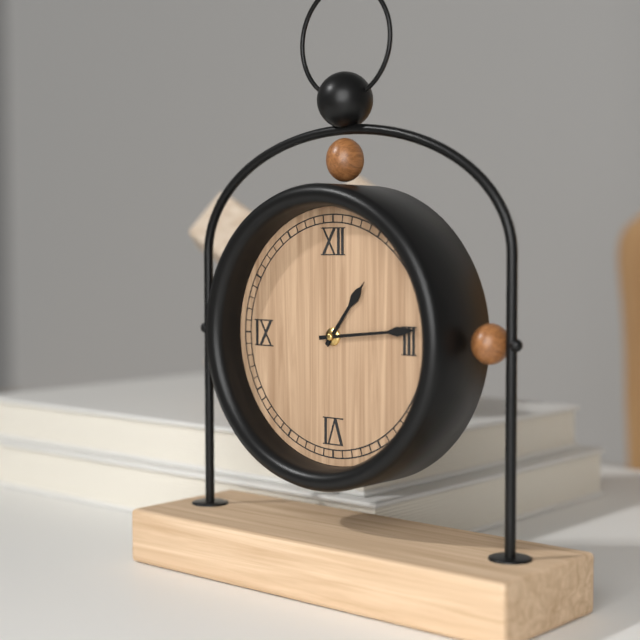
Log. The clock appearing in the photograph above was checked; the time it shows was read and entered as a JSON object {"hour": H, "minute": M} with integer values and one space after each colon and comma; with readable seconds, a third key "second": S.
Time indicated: {"hour": 1, "minute": 14}
